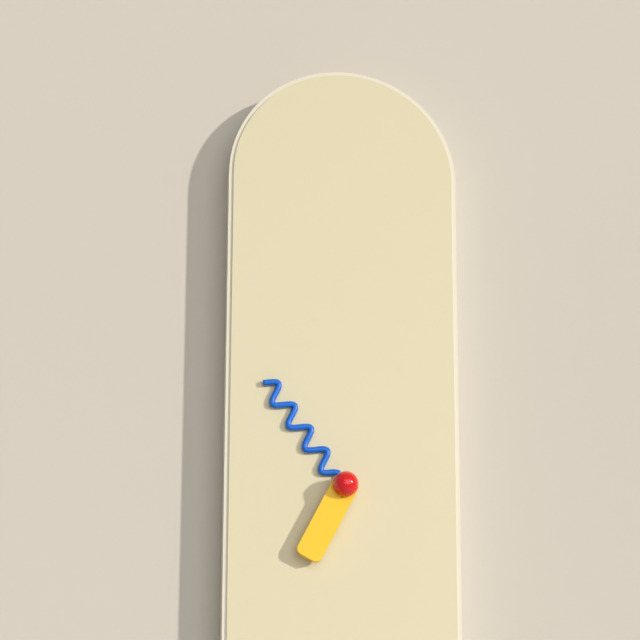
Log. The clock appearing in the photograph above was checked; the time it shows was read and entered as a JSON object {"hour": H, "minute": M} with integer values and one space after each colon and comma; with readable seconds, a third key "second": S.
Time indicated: {"hour": 6, "minute": 54}
